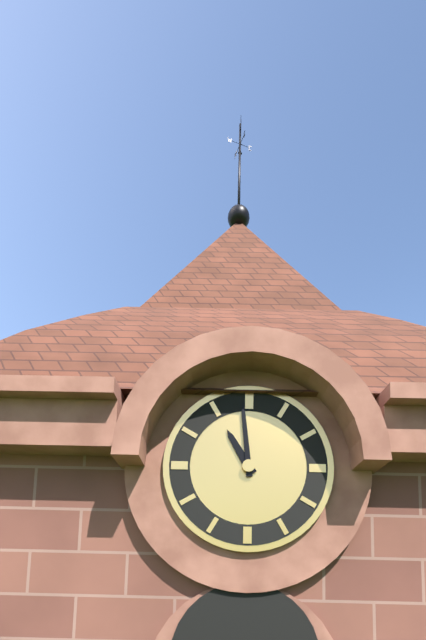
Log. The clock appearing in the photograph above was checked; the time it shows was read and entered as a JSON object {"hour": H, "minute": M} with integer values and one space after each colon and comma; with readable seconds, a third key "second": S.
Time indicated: {"hour": 10, "minute": 59}
